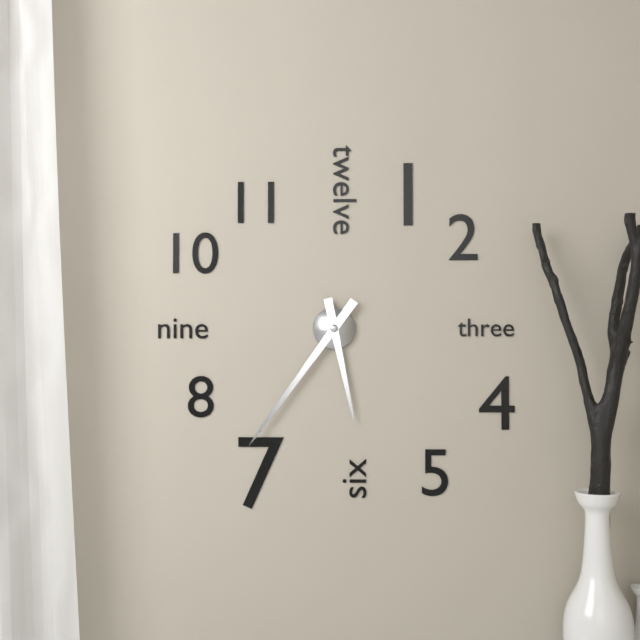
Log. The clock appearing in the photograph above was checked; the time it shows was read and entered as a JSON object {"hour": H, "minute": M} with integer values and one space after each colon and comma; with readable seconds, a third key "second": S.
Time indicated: {"hour": 5, "minute": 36}
